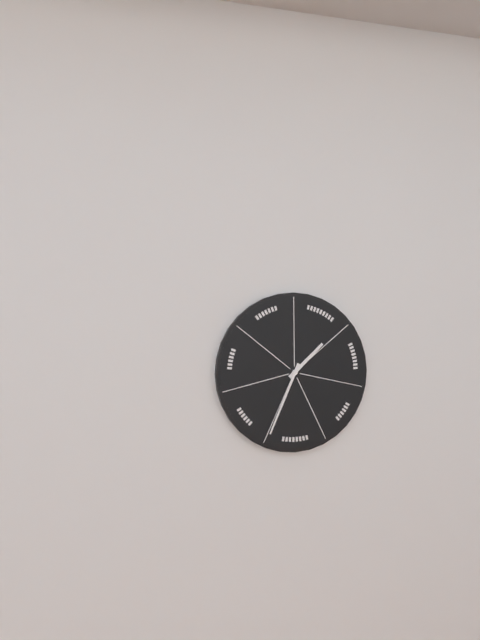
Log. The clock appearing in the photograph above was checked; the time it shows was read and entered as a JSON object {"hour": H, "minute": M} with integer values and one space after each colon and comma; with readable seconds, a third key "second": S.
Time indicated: {"hour": 1, "minute": 34}
